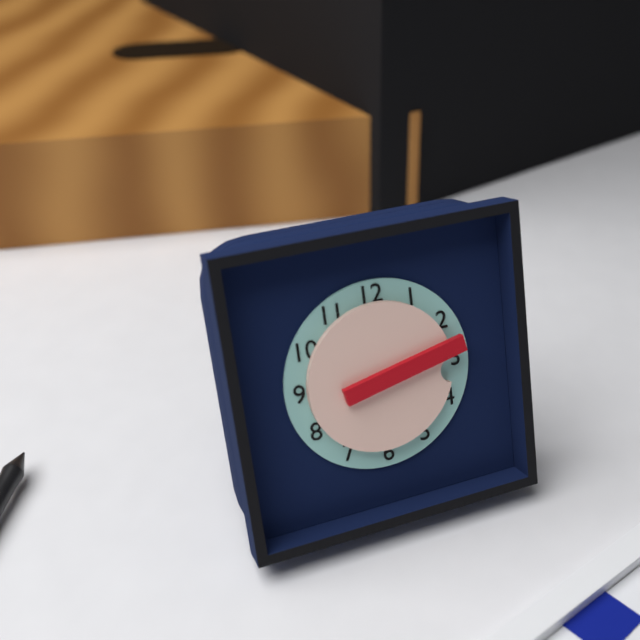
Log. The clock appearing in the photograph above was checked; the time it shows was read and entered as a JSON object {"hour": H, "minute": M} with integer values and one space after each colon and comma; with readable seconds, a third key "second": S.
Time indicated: {"hour": 3, "minute": 13}
